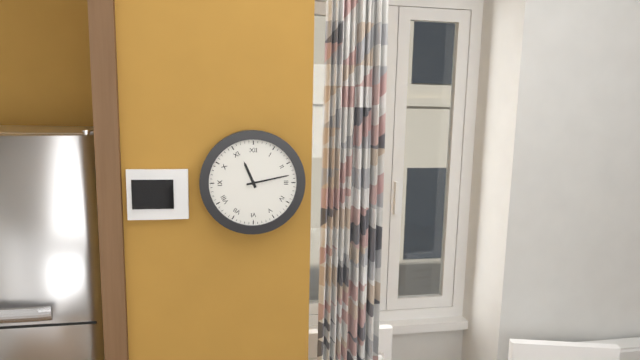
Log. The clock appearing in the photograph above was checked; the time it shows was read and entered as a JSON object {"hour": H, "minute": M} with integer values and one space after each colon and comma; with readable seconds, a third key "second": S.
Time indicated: {"hour": 11, "minute": 13}
